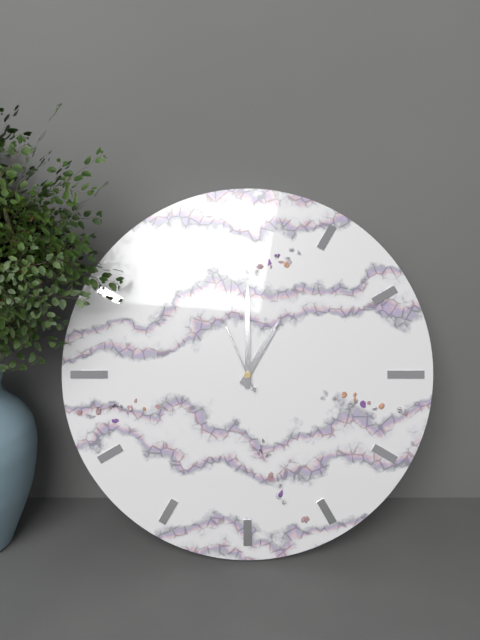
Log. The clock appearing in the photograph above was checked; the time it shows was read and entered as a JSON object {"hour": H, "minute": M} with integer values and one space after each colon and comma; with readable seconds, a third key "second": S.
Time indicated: {"hour": 1, "minute": 0, "second": 56}
